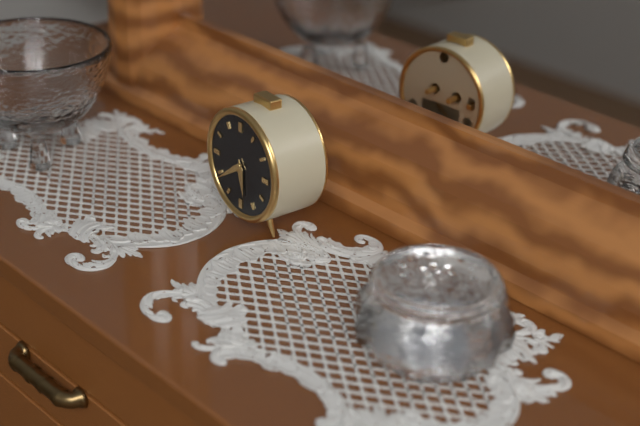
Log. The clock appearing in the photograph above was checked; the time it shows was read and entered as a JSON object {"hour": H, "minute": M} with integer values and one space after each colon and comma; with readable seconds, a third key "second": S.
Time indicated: {"hour": 5, "minute": 39}
